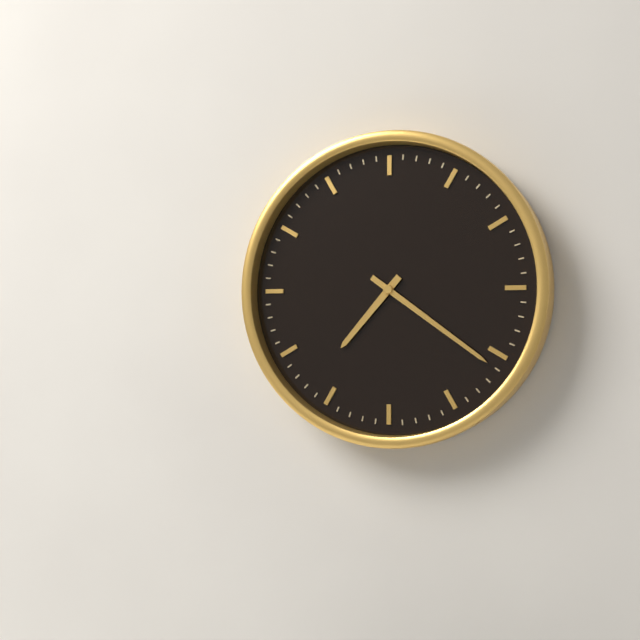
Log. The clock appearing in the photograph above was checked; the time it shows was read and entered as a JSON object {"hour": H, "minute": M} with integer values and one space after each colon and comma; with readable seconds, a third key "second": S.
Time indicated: {"hour": 7, "minute": 21}
